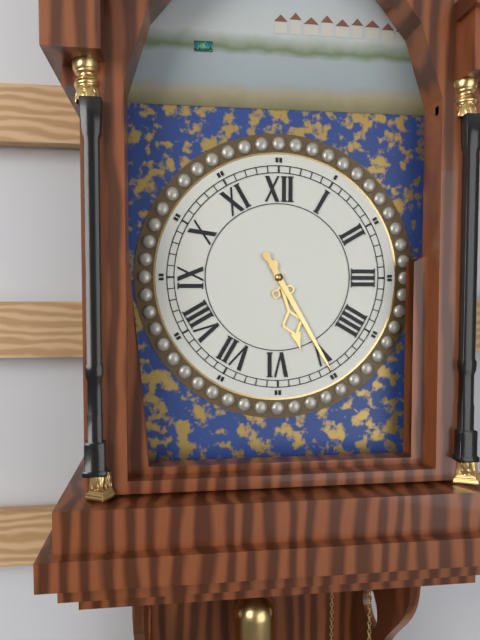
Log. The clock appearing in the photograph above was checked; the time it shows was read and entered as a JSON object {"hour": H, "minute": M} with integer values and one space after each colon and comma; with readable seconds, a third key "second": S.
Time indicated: {"hour": 5, "minute": 25}
